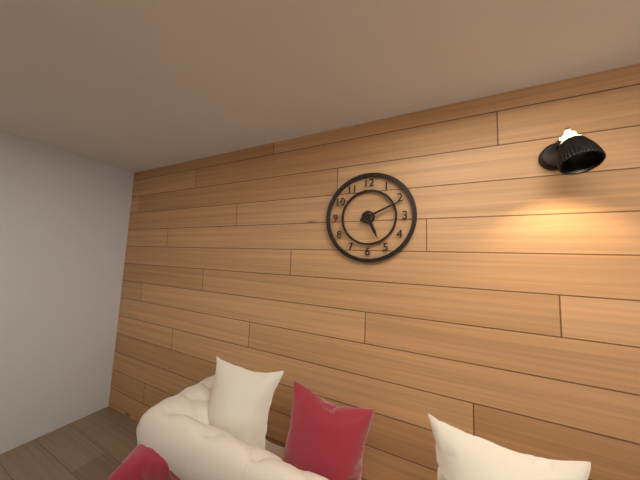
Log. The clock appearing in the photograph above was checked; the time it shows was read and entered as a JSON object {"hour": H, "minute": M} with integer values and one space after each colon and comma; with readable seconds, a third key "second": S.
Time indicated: {"hour": 5, "minute": 11}
